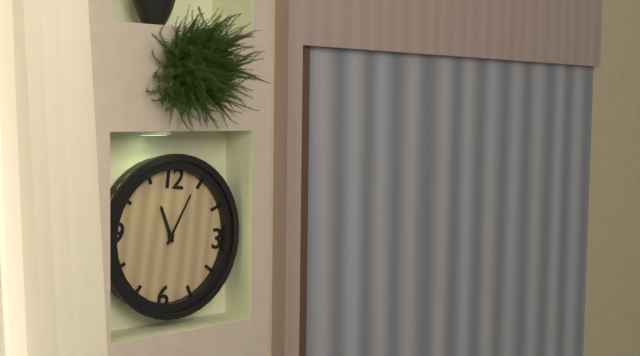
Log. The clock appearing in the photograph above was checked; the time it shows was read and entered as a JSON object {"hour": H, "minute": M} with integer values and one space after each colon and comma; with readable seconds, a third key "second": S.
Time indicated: {"hour": 11, "minute": 4}
